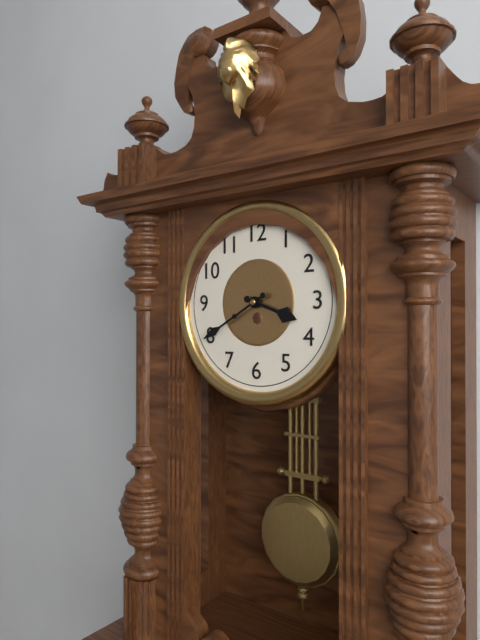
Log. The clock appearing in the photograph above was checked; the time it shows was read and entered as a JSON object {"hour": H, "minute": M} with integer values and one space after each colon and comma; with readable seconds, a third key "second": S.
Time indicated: {"hour": 3, "minute": 40}
